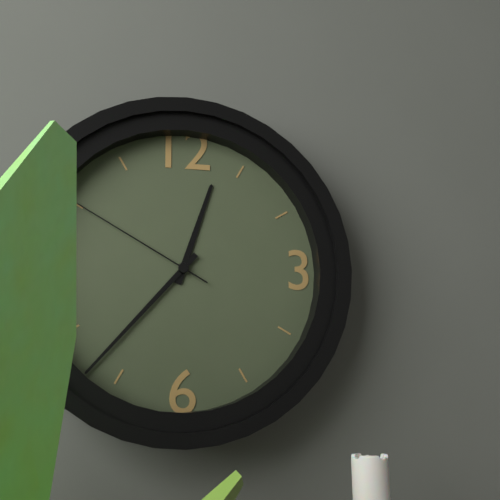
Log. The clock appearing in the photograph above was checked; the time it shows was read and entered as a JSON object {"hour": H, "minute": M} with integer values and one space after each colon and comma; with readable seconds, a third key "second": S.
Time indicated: {"hour": 12, "minute": 37, "second": 50}
